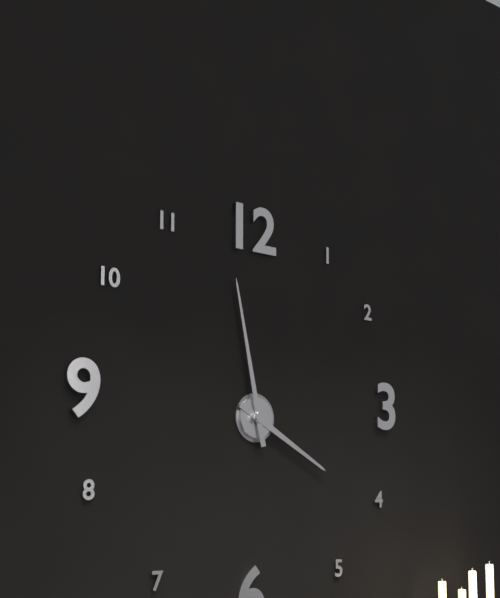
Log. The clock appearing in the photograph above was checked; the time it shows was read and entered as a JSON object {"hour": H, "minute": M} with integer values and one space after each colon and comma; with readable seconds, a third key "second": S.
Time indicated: {"hour": 3, "minute": 58}
